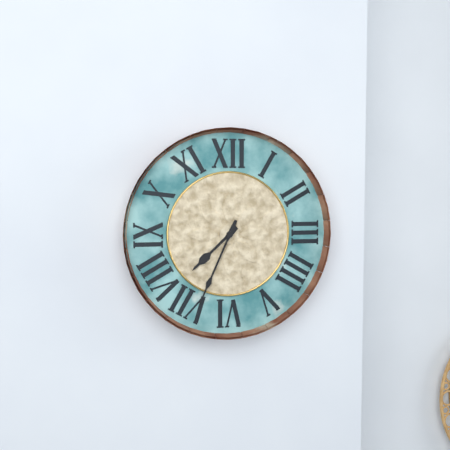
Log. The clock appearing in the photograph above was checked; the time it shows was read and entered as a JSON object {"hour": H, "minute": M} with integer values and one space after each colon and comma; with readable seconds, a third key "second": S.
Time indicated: {"hour": 7, "minute": 34}
